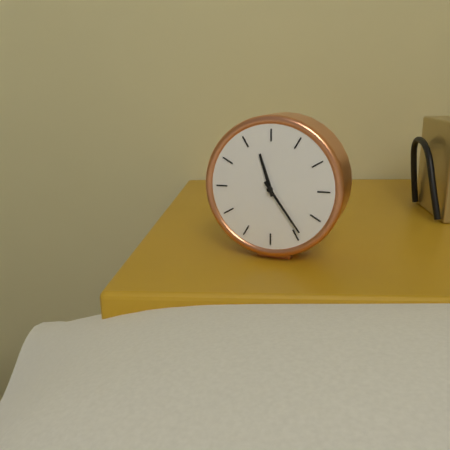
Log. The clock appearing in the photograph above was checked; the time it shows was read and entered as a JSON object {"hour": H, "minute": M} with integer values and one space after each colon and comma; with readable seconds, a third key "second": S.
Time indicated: {"hour": 11, "minute": 24}
